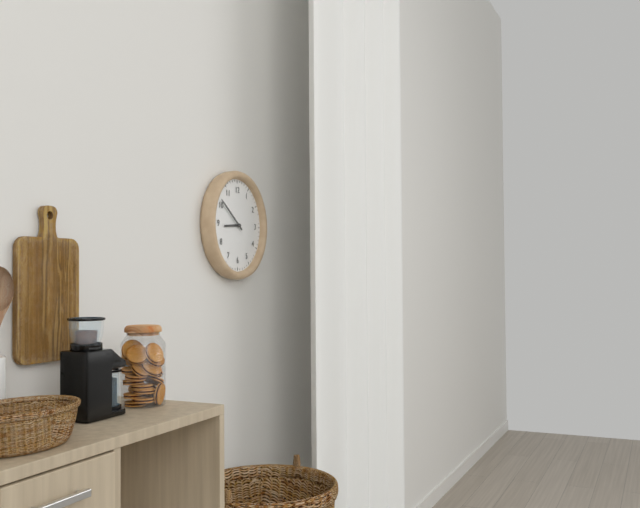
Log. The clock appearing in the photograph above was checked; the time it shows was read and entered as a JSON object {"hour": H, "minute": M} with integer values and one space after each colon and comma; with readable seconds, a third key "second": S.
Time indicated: {"hour": 8, "minute": 51}
